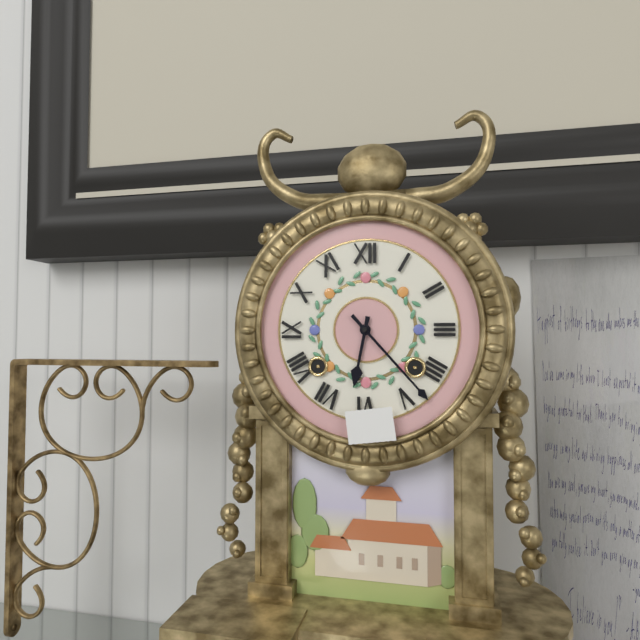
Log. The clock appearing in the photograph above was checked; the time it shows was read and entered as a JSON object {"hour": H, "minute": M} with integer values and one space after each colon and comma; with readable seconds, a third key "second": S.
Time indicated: {"hour": 6, "minute": 23}
